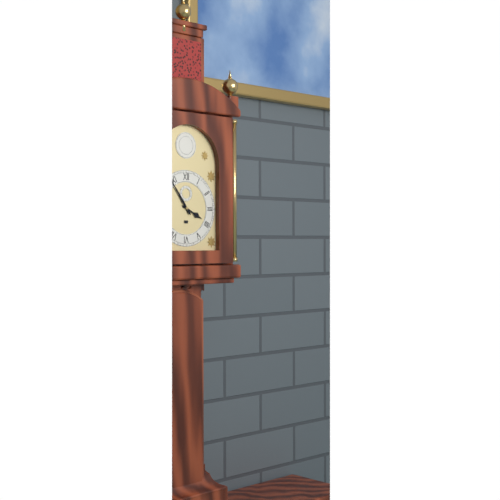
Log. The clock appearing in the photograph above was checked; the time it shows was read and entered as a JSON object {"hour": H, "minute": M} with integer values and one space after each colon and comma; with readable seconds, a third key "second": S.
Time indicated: {"hour": 3, "minute": 54}
